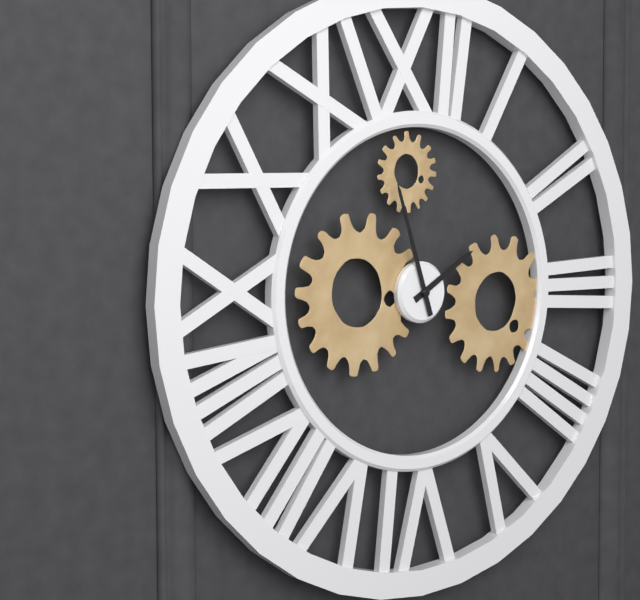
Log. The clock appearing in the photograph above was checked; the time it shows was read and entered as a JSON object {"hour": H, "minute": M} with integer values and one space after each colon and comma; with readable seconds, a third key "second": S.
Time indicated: {"hour": 1, "minute": 57}
